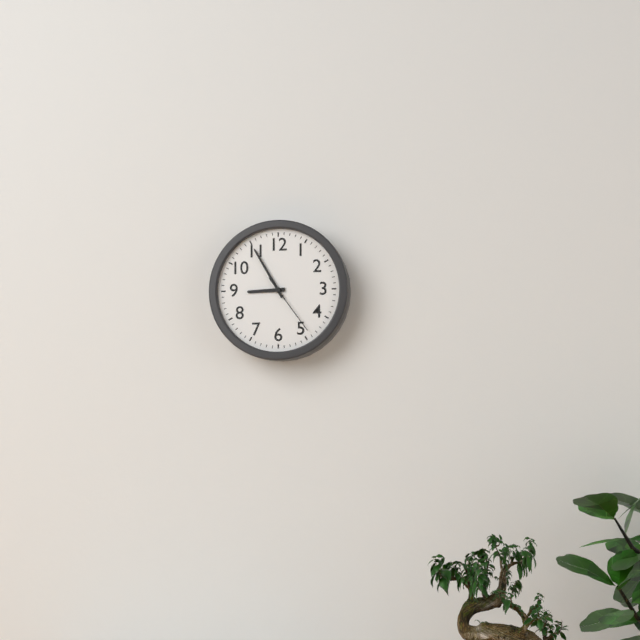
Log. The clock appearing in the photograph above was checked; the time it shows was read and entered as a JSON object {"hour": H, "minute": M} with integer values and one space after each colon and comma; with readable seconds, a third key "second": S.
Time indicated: {"hour": 8, "minute": 55, "second": 24}
